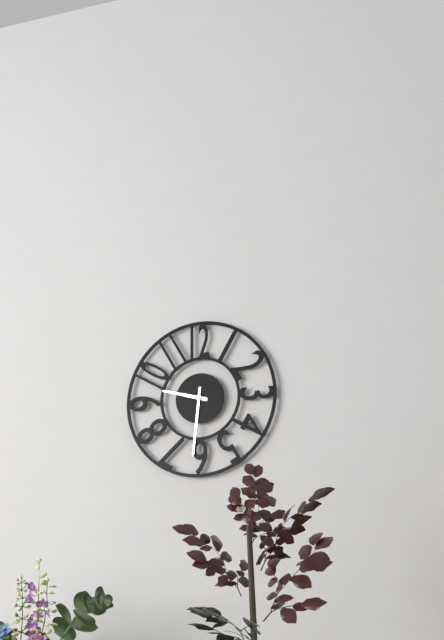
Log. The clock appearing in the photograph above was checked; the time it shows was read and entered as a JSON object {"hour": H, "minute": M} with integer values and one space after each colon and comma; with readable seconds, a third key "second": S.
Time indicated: {"hour": 9, "minute": 31}
